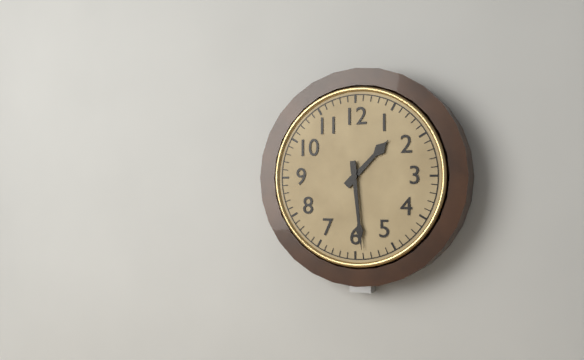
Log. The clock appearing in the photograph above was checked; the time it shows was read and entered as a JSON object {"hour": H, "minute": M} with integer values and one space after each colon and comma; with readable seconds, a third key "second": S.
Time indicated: {"hour": 1, "minute": 29}
